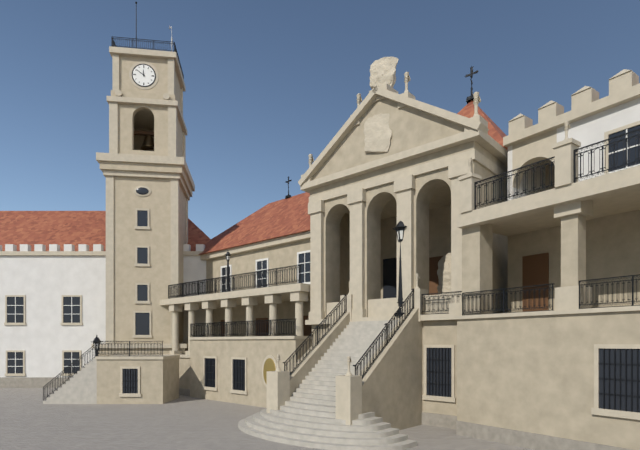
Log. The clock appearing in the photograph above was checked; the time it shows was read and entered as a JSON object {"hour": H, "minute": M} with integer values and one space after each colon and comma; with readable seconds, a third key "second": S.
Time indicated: {"hour": 11, "minute": 51}
